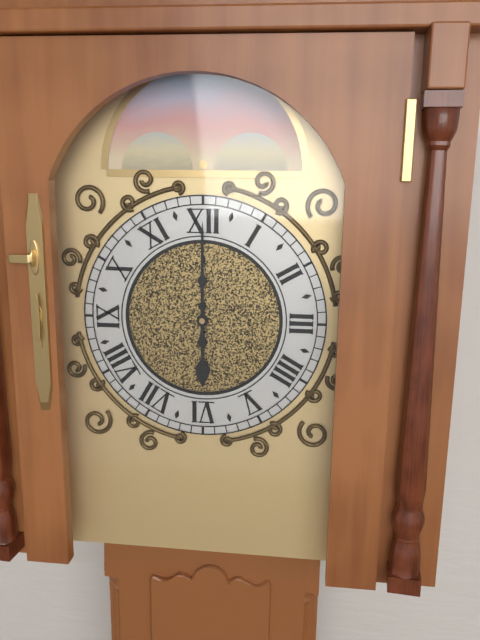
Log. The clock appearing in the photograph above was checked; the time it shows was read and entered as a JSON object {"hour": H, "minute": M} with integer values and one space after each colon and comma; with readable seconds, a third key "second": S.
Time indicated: {"hour": 6, "minute": 0}
